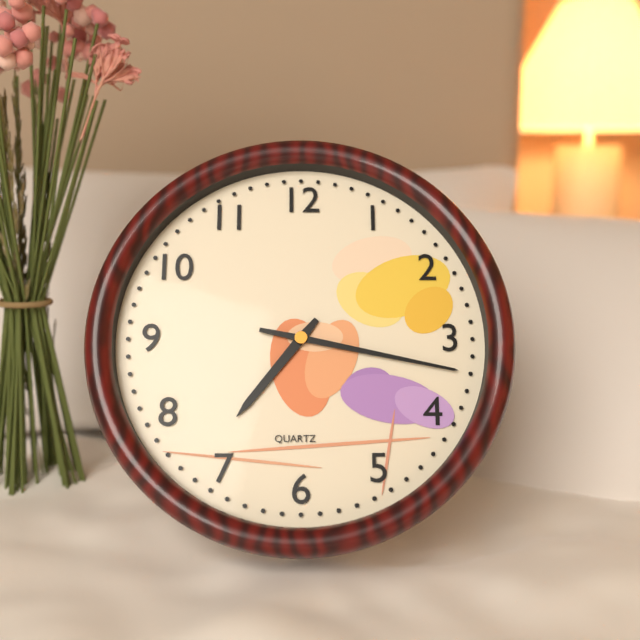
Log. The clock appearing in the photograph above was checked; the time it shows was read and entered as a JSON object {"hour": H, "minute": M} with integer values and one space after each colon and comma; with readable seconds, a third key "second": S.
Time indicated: {"hour": 7, "minute": 17}
